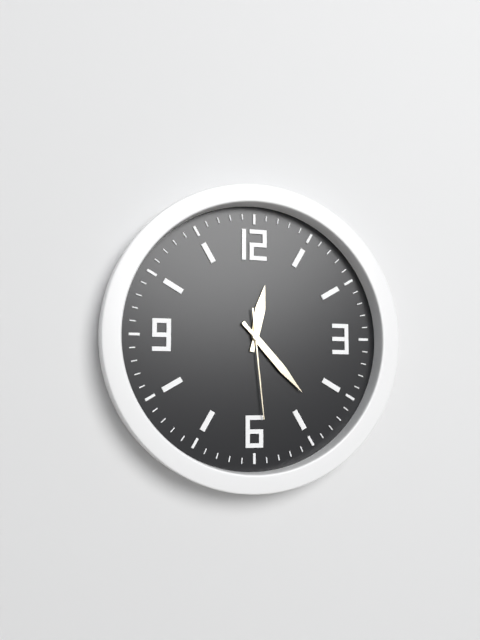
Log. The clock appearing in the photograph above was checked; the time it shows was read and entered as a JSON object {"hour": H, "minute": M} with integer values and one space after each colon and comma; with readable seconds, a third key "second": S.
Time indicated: {"hour": 12, "minute": 23, "second": 29}
